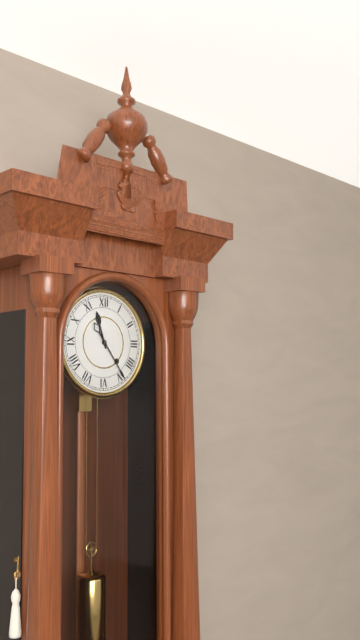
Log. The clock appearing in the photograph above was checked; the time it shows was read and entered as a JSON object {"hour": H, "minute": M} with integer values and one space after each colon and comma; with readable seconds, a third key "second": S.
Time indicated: {"hour": 11, "minute": 24}
